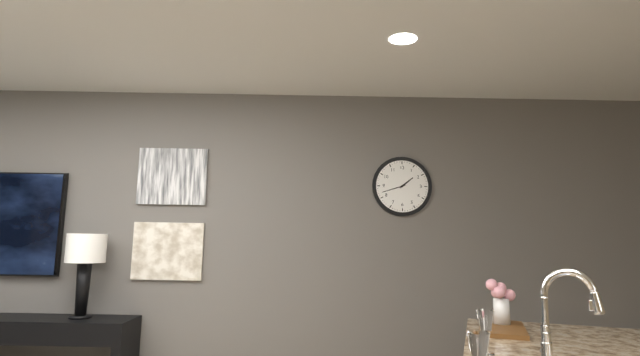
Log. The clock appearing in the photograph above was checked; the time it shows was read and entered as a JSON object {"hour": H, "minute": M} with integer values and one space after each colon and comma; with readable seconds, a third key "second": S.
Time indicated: {"hour": 1, "minute": 42}
